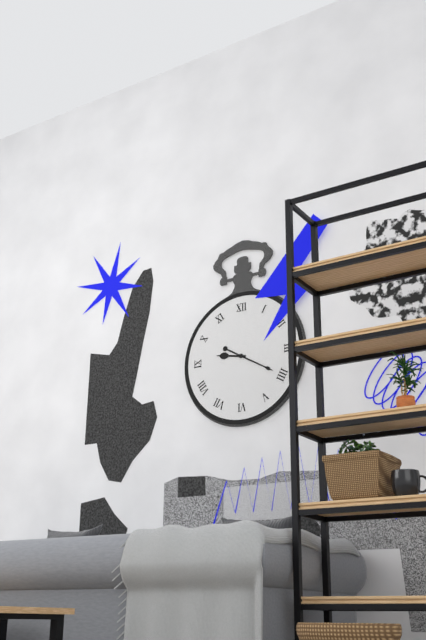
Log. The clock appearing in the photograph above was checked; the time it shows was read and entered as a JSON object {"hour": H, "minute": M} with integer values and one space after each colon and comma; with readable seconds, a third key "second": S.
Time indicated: {"hour": 9, "minute": 20}
